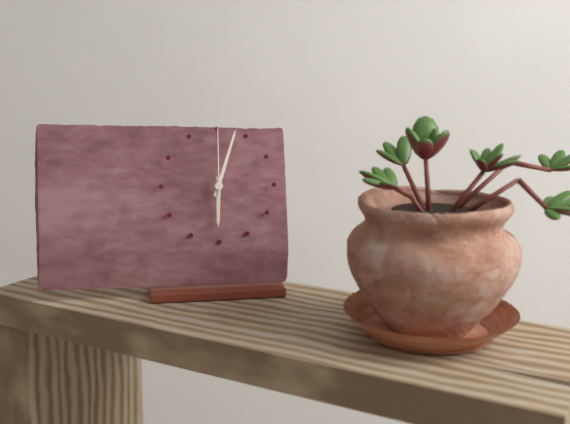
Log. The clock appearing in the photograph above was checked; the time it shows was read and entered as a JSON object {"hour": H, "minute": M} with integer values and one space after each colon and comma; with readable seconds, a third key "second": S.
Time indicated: {"hour": 6, "minute": 3, "second": 0}
